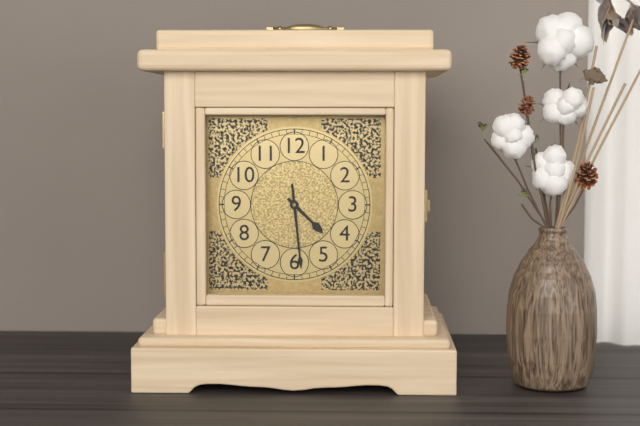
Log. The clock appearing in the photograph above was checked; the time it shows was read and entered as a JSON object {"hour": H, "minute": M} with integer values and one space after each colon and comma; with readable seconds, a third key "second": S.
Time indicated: {"hour": 4, "minute": 29}
